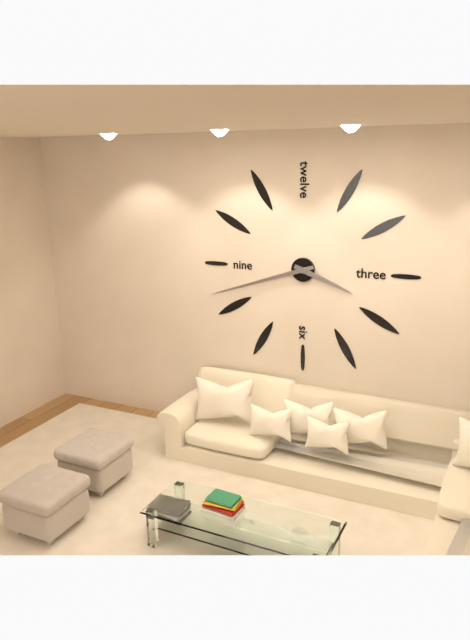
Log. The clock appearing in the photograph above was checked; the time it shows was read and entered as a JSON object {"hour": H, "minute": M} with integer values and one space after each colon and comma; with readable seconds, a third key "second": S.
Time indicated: {"hour": 3, "minute": 42}
